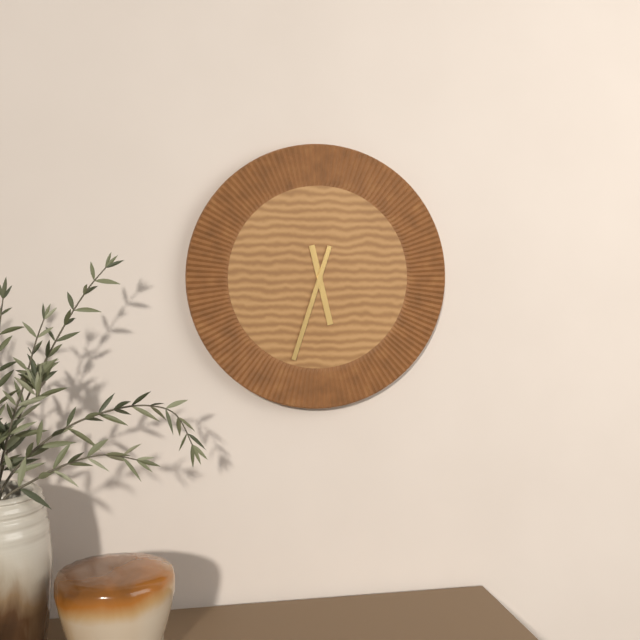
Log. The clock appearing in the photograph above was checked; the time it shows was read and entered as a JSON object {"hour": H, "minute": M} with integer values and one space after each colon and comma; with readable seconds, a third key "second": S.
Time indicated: {"hour": 5, "minute": 33}
